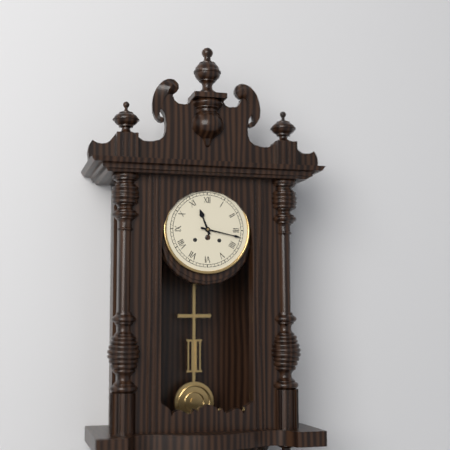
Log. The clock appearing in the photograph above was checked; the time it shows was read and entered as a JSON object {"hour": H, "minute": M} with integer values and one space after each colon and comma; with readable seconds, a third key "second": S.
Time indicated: {"hour": 11, "minute": 17}
